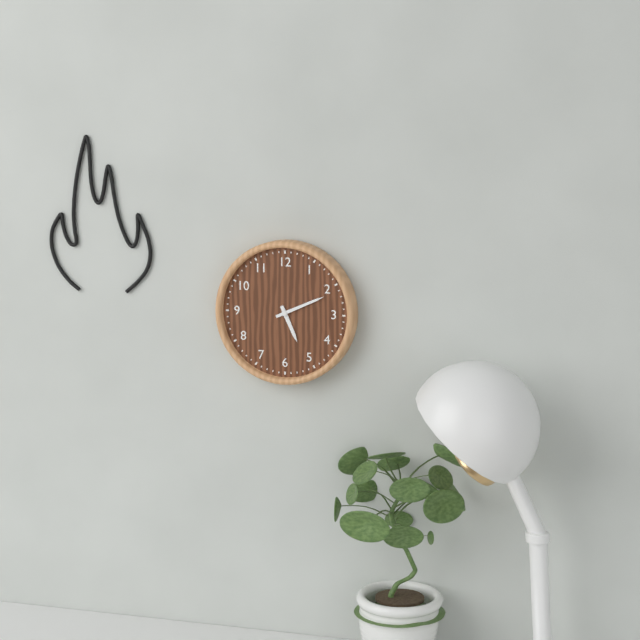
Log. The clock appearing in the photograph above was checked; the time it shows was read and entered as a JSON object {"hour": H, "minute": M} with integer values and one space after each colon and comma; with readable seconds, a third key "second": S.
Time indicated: {"hour": 5, "minute": 11}
